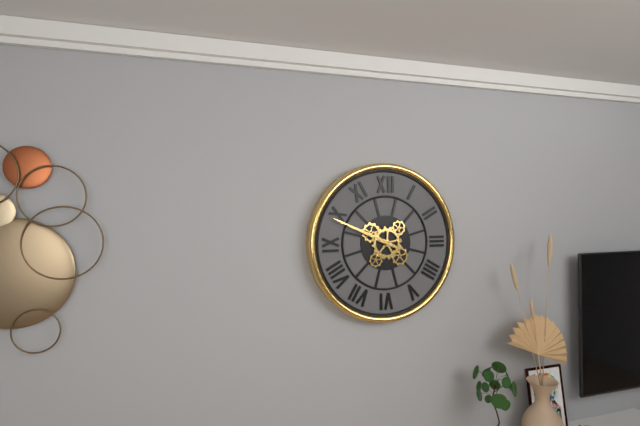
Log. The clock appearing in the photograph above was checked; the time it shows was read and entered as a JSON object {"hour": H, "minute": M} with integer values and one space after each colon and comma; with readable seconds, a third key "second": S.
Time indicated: {"hour": 9, "minute": 49}
